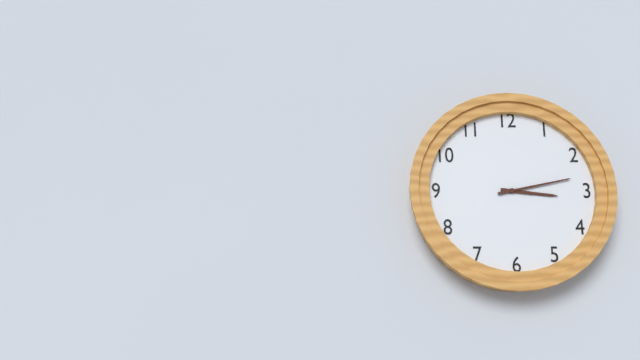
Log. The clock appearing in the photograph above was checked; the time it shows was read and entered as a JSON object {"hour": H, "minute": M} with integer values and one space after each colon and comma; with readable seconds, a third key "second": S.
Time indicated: {"hour": 3, "minute": 13}
